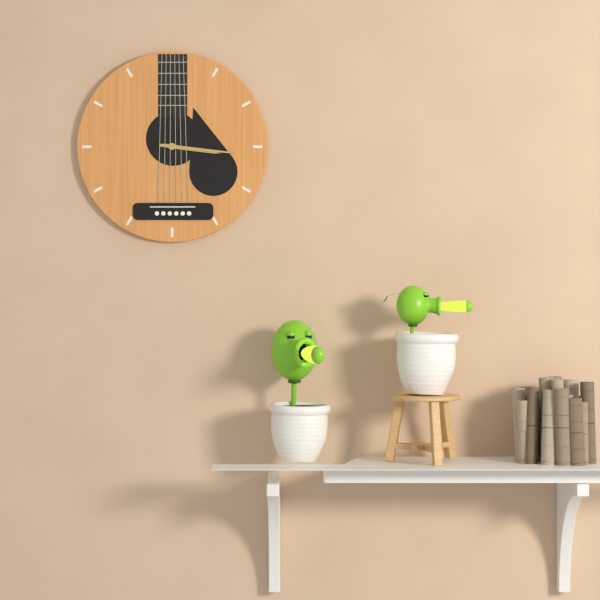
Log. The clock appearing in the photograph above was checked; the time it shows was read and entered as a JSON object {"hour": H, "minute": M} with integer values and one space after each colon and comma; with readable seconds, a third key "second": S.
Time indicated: {"hour": 3, "minute": 16}
